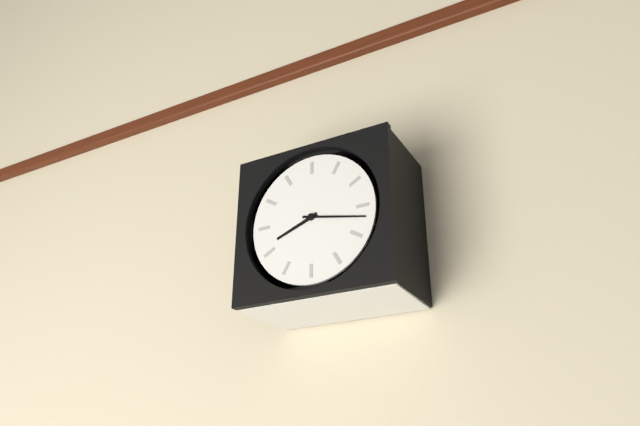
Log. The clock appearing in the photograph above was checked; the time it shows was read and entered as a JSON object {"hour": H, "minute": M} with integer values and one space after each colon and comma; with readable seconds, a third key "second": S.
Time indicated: {"hour": 8, "minute": 17}
